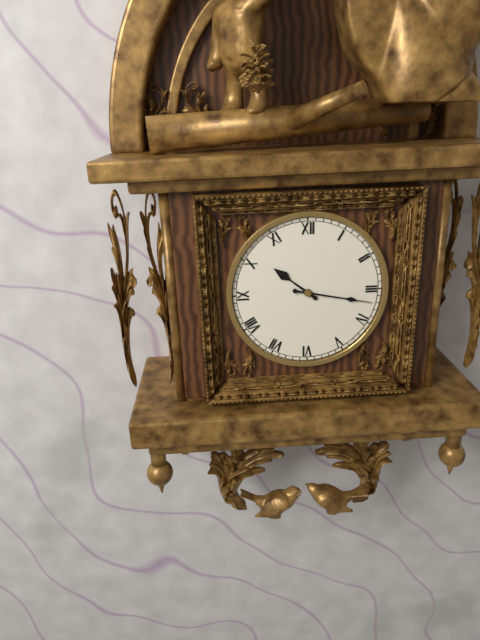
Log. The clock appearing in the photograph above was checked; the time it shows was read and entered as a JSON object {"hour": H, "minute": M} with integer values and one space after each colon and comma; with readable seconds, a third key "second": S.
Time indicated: {"hour": 10, "minute": 17}
